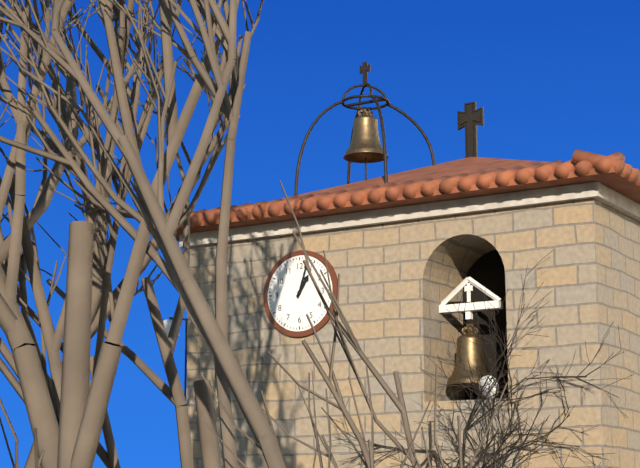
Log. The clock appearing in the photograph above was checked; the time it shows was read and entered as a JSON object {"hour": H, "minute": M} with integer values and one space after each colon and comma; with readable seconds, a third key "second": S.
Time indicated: {"hour": 1, "minute": 3}
